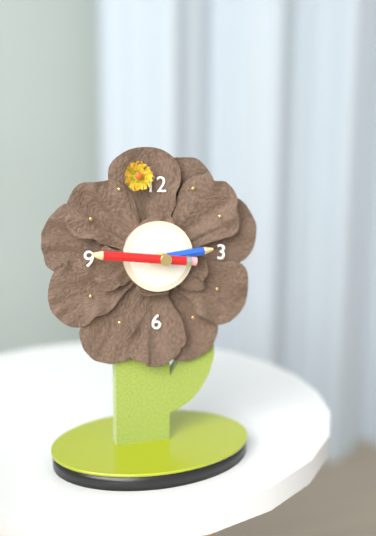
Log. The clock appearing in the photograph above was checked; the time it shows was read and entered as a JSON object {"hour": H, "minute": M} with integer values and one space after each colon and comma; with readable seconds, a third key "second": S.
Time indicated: {"hour": 2, "minute": 46}
